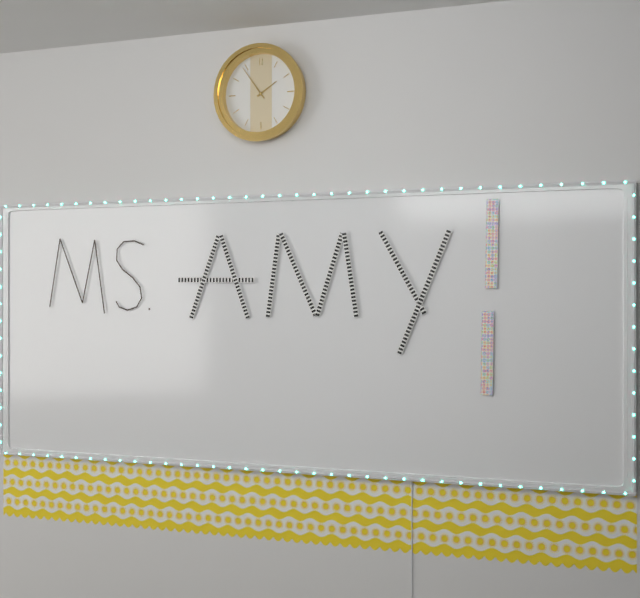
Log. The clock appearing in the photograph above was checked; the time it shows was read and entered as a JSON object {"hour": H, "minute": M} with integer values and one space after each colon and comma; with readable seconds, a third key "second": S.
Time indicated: {"hour": 1, "minute": 54}
